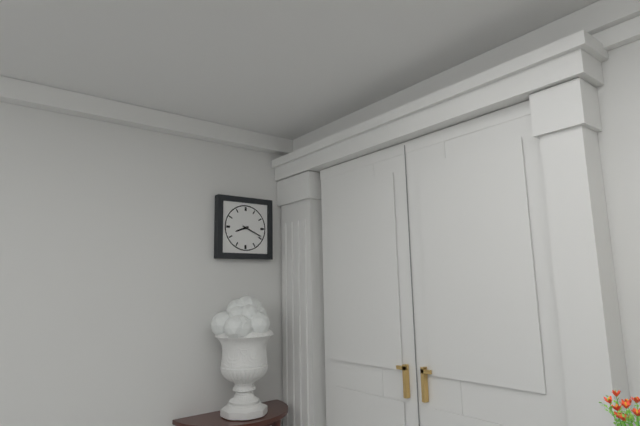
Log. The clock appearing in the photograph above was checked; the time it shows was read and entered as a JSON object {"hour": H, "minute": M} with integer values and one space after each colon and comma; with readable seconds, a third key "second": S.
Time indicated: {"hour": 8, "minute": 19}
